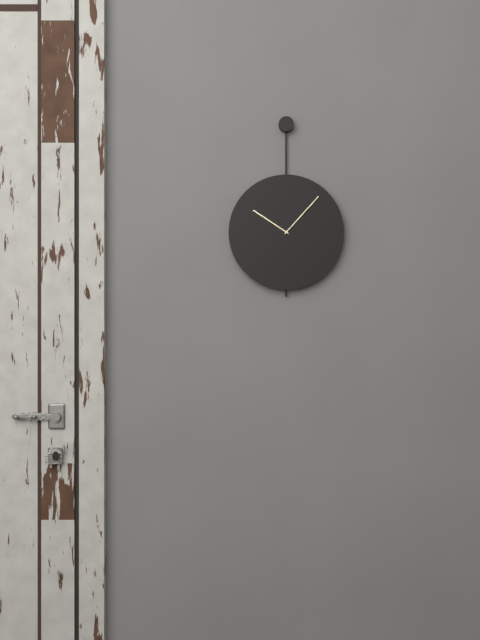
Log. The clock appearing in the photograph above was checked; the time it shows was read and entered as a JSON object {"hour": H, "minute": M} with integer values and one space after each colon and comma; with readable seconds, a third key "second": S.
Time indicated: {"hour": 10, "minute": 7}
